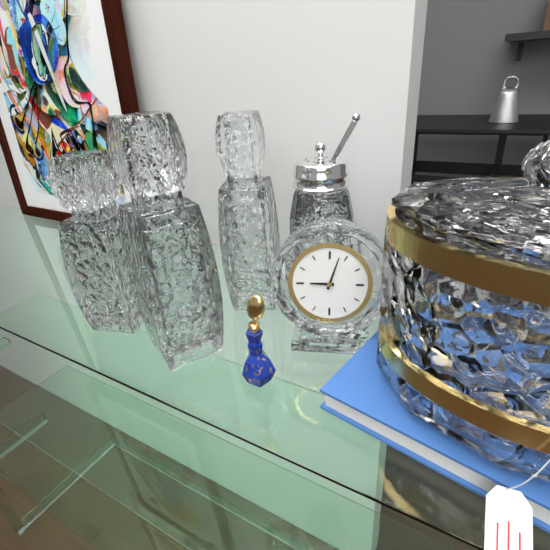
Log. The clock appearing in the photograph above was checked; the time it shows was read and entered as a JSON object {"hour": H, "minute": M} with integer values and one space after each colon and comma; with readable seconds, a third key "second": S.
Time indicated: {"hour": 9, "minute": 3}
